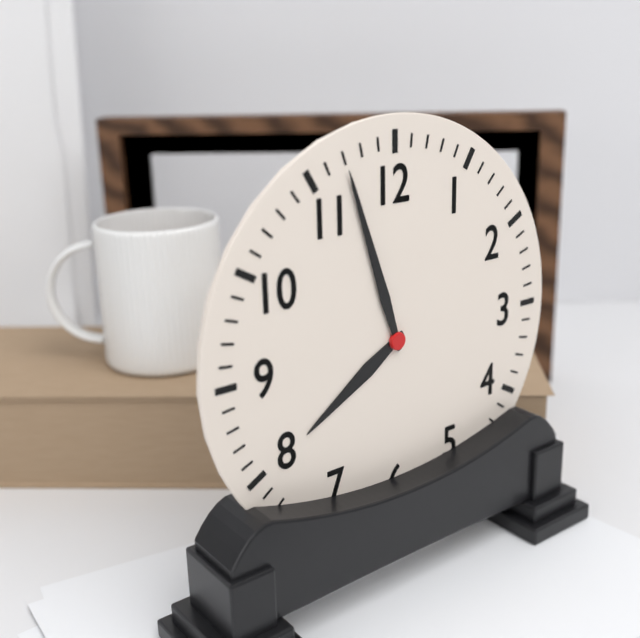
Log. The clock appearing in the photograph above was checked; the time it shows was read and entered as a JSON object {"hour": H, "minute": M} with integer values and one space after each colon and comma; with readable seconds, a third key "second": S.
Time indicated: {"hour": 7, "minute": 57}
